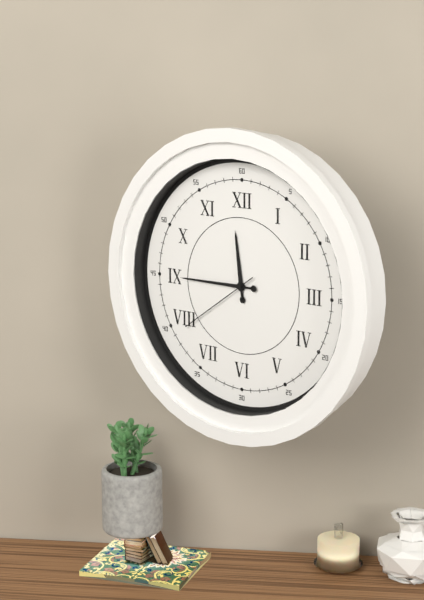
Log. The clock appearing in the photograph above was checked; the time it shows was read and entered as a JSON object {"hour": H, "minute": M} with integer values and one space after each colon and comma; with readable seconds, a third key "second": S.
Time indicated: {"hour": 11, "minute": 45, "second": 39}
